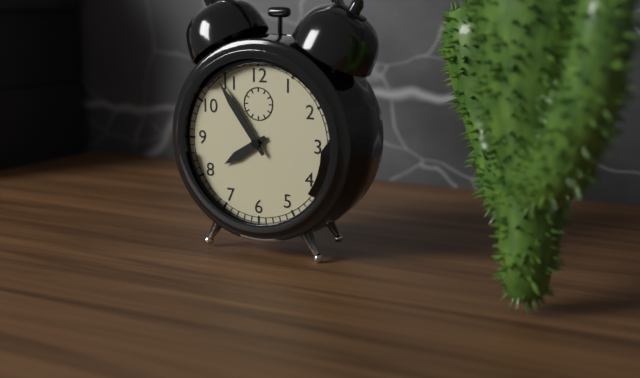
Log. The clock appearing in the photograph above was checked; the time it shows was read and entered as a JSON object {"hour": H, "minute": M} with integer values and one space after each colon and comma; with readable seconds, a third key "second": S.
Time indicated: {"hour": 7, "minute": 54}
